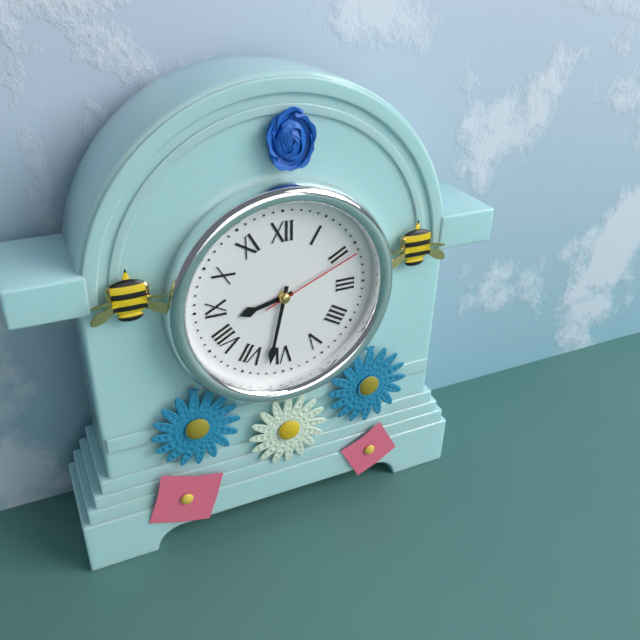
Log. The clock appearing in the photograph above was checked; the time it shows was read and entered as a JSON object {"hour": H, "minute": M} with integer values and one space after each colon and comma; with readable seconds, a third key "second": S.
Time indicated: {"hour": 8, "minute": 32, "second": 11}
